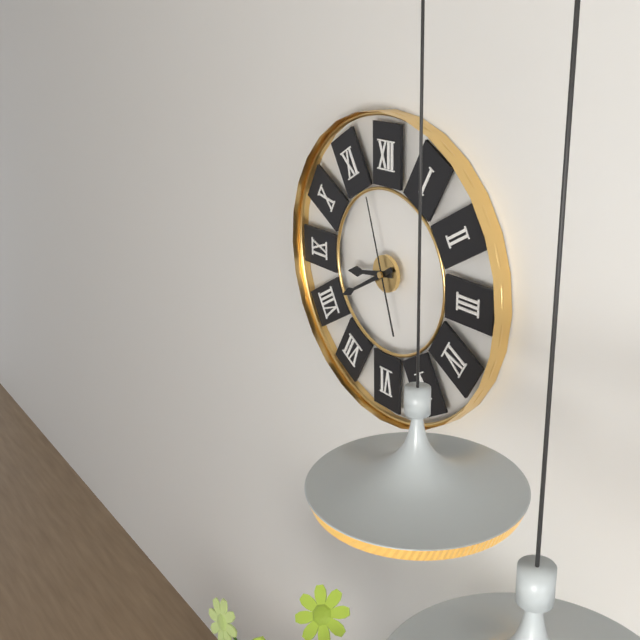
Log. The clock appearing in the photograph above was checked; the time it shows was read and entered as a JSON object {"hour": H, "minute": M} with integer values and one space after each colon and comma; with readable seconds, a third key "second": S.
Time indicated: {"hour": 8, "minute": 40, "second": 57}
